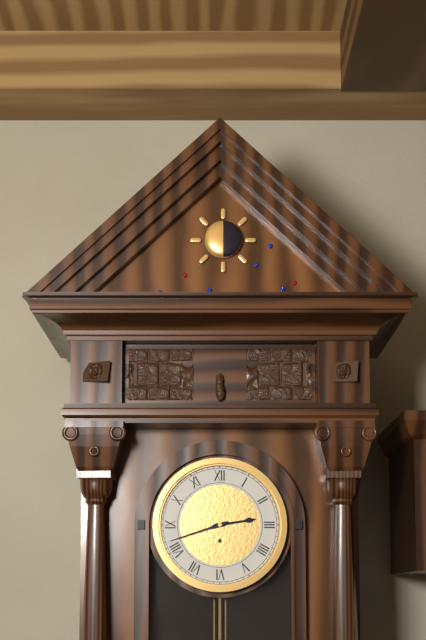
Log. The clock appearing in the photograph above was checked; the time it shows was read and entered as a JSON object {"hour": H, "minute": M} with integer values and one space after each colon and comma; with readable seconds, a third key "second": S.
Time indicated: {"hour": 2, "minute": 42}
